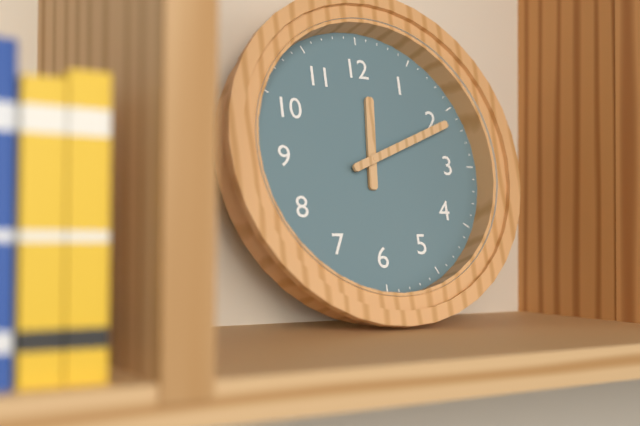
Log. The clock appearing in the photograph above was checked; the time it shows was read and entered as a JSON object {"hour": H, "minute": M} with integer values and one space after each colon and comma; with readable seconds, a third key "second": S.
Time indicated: {"hour": 12, "minute": 11}
